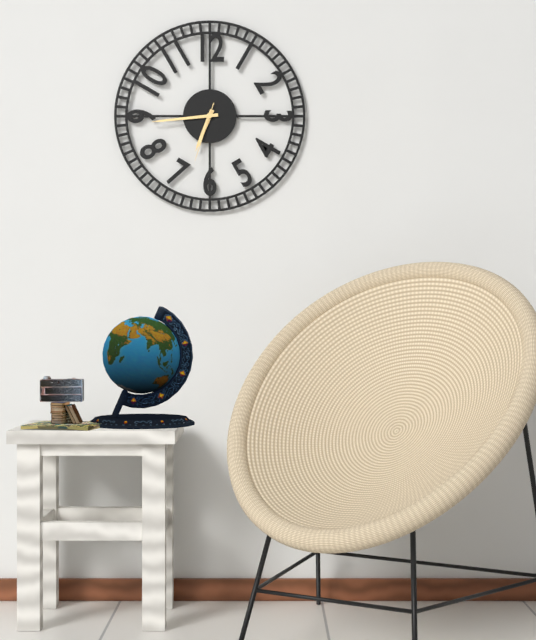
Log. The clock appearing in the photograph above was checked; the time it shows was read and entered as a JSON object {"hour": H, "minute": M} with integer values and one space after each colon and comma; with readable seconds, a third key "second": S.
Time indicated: {"hour": 6, "minute": 44, "second": 33}
